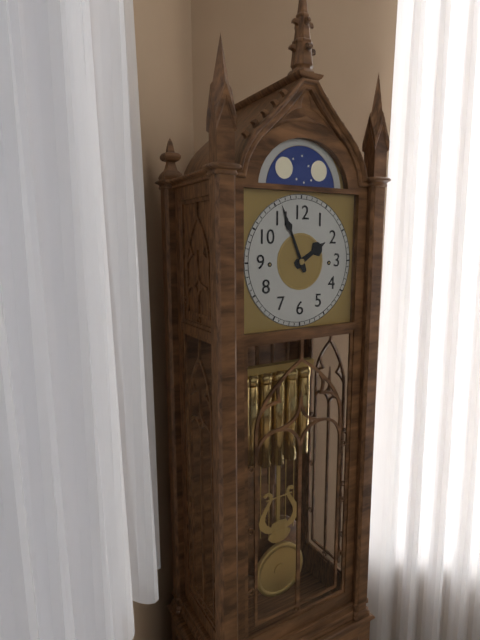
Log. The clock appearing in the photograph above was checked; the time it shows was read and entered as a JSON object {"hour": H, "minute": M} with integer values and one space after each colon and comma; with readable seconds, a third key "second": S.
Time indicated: {"hour": 1, "minute": 56}
